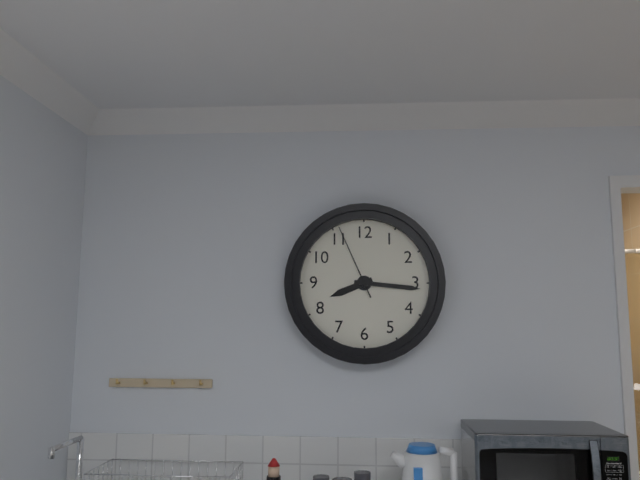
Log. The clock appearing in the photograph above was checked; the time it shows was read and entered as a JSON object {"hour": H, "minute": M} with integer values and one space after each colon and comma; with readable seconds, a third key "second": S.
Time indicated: {"hour": 8, "minute": 16, "second": 56}
